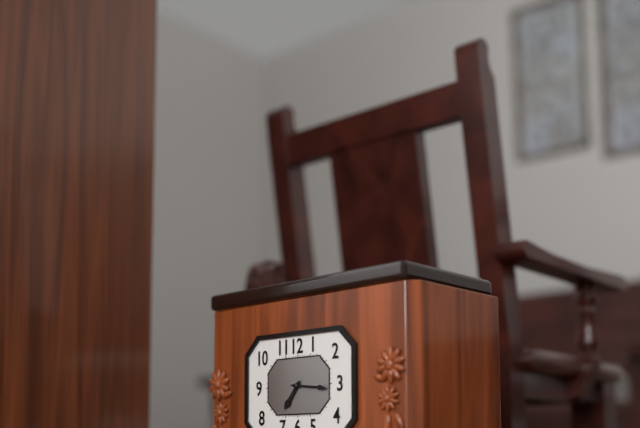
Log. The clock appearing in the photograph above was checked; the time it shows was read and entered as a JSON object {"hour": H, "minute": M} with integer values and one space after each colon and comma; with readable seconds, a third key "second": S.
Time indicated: {"hour": 7, "minute": 16}
